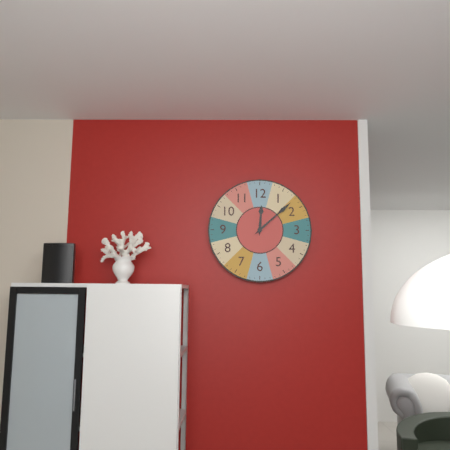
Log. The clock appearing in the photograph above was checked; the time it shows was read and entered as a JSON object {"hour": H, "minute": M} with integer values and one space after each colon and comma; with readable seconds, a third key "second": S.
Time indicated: {"hour": 12, "minute": 8}
